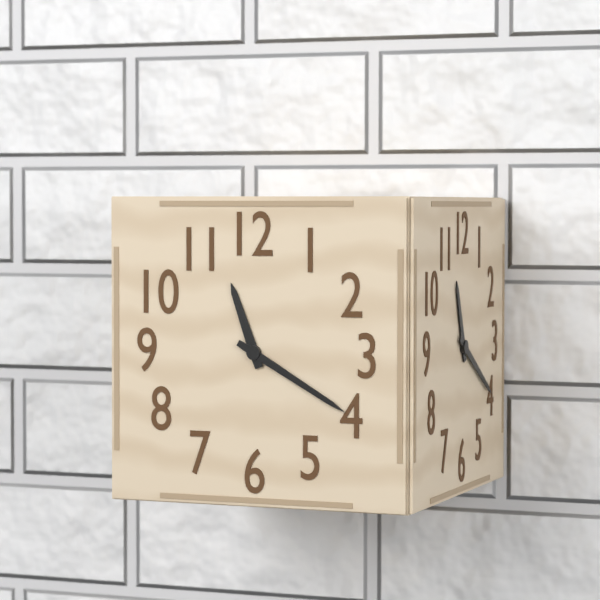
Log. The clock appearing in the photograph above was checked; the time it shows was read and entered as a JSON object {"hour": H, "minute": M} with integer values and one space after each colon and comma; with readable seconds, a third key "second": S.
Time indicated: {"hour": 11, "minute": 20}
